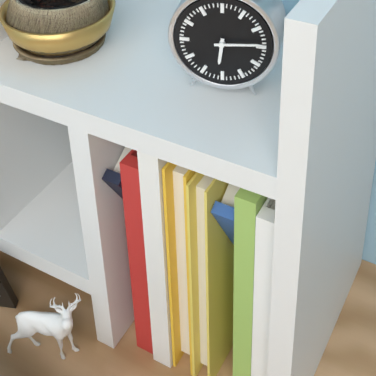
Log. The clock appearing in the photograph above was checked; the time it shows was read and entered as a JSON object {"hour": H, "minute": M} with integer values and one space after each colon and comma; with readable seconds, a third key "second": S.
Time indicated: {"hour": 6, "minute": 14}
